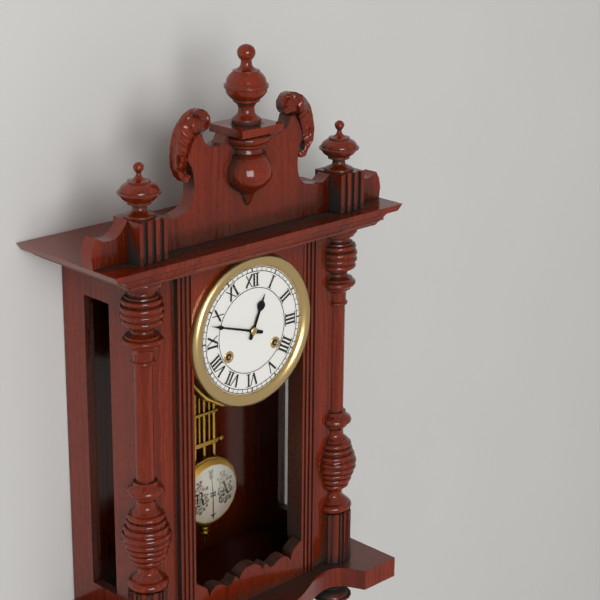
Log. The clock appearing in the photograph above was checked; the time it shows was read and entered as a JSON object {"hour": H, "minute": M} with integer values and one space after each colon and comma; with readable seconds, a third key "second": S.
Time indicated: {"hour": 12, "minute": 48}
